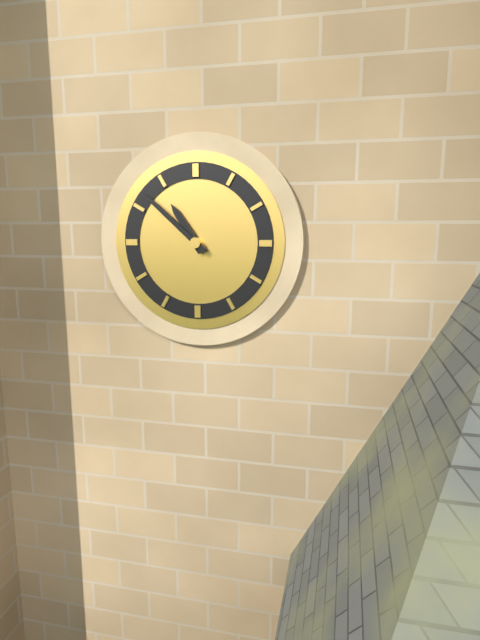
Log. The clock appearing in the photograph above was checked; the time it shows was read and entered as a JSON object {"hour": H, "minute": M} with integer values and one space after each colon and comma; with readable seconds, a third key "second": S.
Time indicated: {"hour": 10, "minute": 52}
